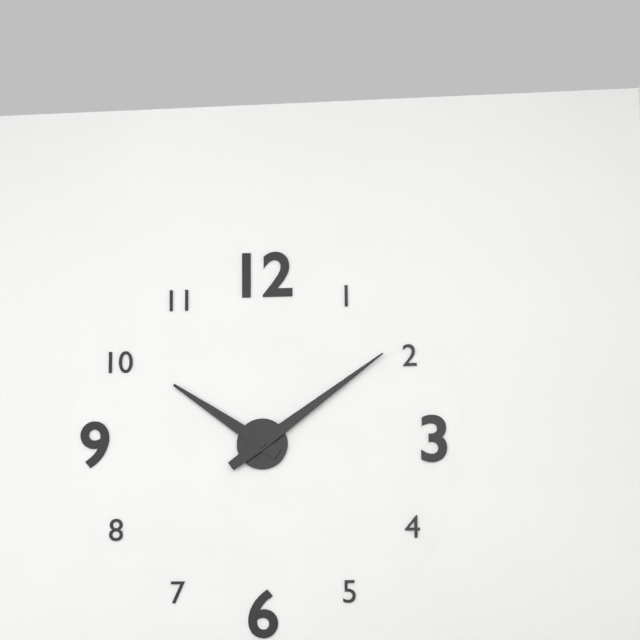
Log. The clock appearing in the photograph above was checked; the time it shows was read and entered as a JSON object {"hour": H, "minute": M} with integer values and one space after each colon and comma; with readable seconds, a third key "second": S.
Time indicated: {"hour": 10, "minute": 9}
